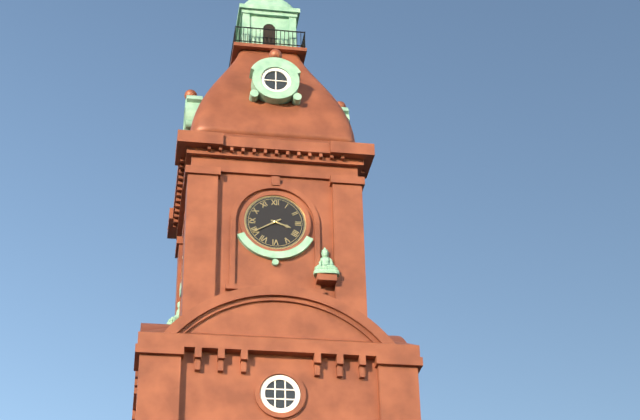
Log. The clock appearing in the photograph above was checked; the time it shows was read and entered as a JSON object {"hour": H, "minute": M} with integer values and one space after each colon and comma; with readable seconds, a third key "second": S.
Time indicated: {"hour": 3, "minute": 40}
